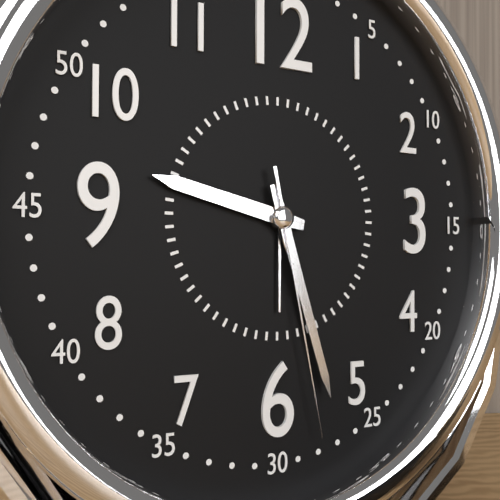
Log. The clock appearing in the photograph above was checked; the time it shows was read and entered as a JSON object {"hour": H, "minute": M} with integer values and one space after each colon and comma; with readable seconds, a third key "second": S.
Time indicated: {"hour": 9, "minute": 27, "second": 28}
